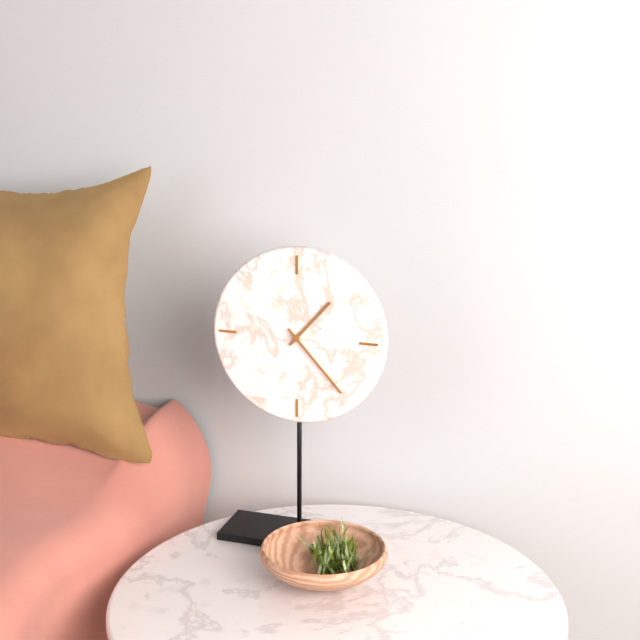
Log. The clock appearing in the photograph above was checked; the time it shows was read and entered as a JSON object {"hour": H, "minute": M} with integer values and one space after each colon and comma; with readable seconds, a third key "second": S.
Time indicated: {"hour": 1, "minute": 23}
